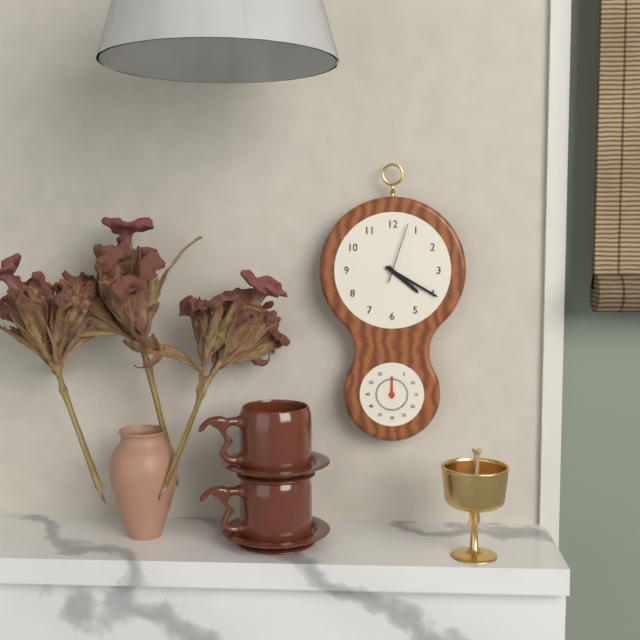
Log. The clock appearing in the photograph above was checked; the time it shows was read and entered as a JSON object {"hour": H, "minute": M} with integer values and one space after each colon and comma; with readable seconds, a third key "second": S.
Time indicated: {"hour": 4, "minute": 20, "second": 3}
